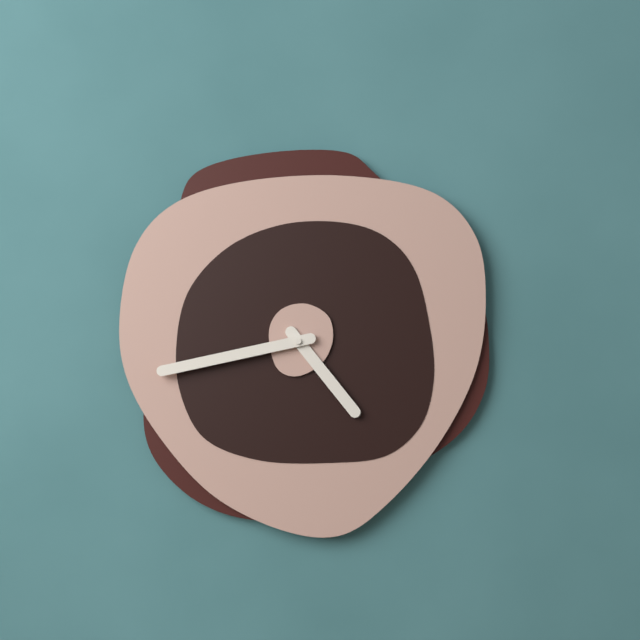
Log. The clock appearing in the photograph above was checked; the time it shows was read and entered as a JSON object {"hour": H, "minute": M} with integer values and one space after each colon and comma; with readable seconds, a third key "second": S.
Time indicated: {"hour": 4, "minute": 43}
